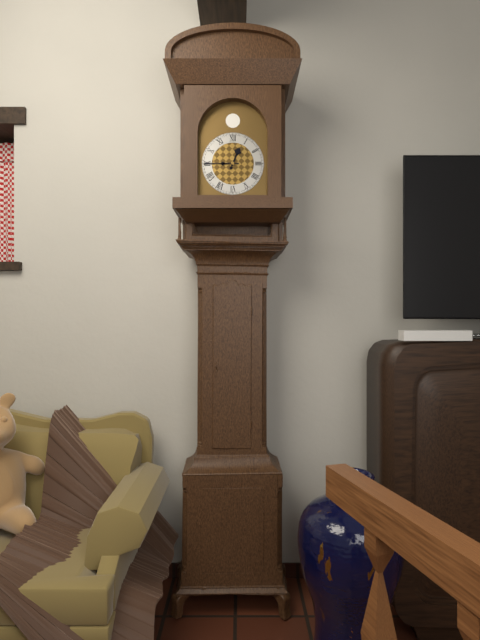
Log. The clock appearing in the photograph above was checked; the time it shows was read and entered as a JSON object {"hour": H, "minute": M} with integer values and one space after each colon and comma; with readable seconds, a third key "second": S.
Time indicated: {"hour": 12, "minute": 45}
